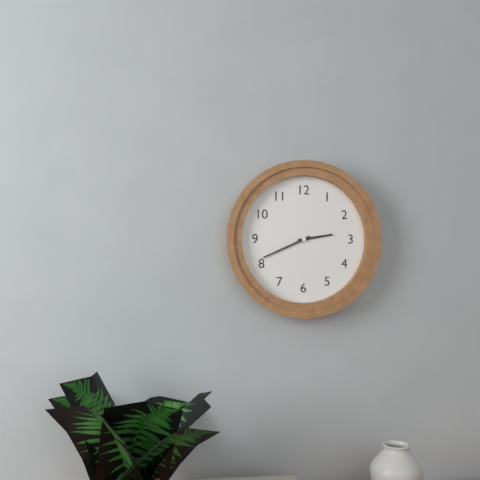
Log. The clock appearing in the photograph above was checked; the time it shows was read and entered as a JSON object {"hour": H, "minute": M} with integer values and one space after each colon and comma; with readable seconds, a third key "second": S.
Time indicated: {"hour": 2, "minute": 41}
